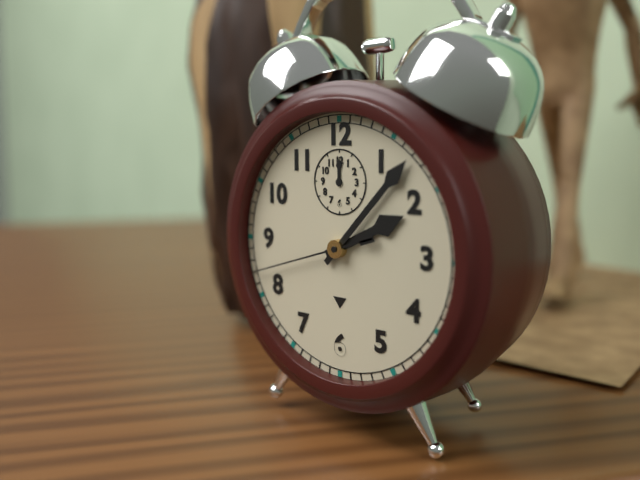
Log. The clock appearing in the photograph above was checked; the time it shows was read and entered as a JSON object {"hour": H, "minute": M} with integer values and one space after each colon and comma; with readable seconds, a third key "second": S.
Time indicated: {"hour": 2, "minute": 7, "second": 42}
